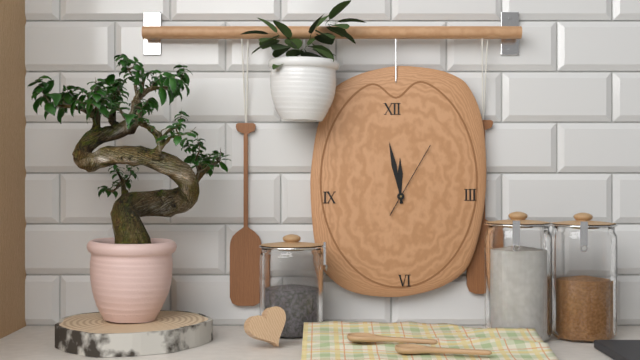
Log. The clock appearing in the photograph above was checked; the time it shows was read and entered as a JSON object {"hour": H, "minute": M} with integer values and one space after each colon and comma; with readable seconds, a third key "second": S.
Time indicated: {"hour": 11, "minute": 58, "second": 5}
